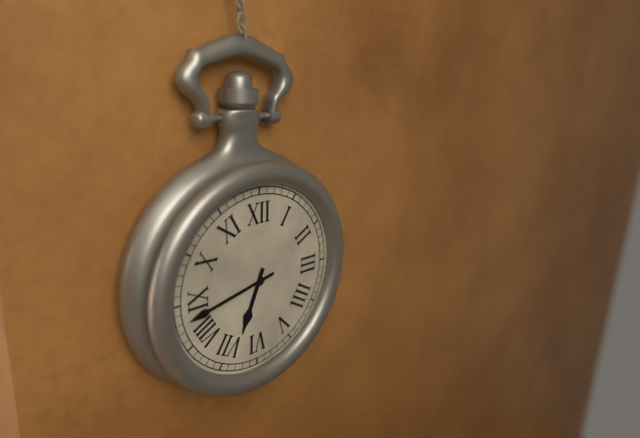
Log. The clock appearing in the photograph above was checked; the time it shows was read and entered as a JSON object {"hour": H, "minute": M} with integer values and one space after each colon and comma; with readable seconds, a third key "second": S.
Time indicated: {"hour": 6, "minute": 43}
